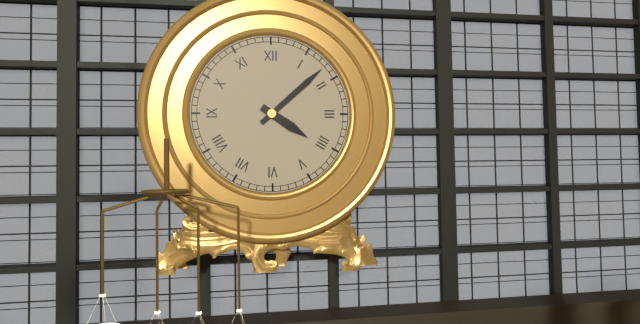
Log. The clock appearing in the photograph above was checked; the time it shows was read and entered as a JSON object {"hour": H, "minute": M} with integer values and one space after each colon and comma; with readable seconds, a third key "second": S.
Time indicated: {"hour": 4, "minute": 8}
